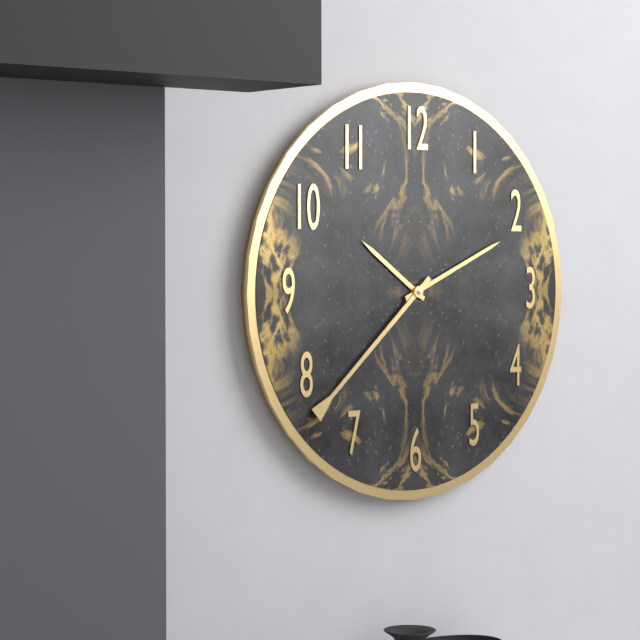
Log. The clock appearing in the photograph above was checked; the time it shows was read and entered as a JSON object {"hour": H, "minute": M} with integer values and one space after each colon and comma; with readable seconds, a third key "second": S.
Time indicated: {"hour": 10, "minute": 11, "second": 38}
